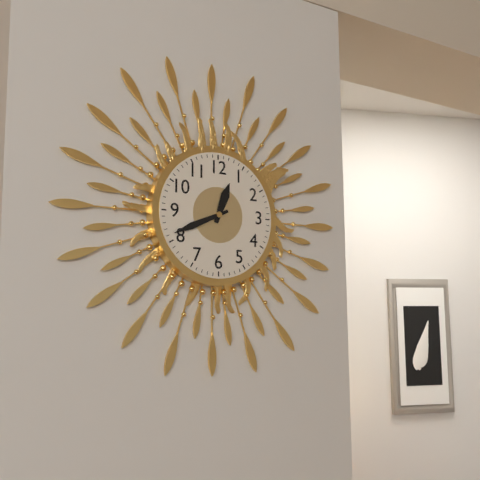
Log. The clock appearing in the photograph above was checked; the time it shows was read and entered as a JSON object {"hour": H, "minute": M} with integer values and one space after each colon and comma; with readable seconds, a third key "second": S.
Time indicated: {"hour": 12, "minute": 41}
